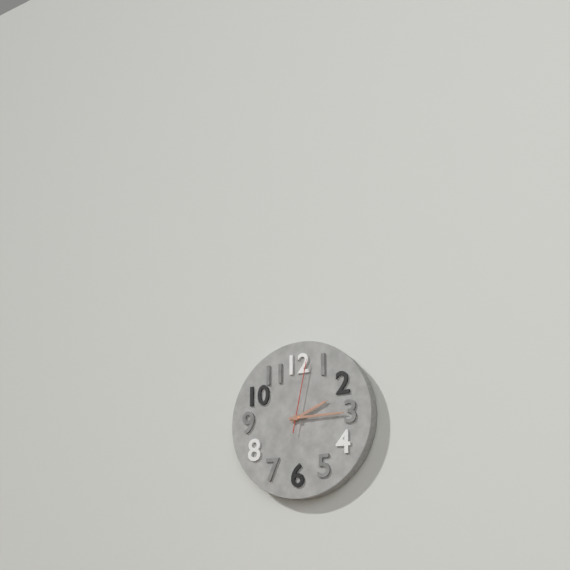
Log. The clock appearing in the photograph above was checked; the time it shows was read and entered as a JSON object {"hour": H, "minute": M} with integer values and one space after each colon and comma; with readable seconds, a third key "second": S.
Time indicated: {"hour": 2, "minute": 15, "second": 2}
